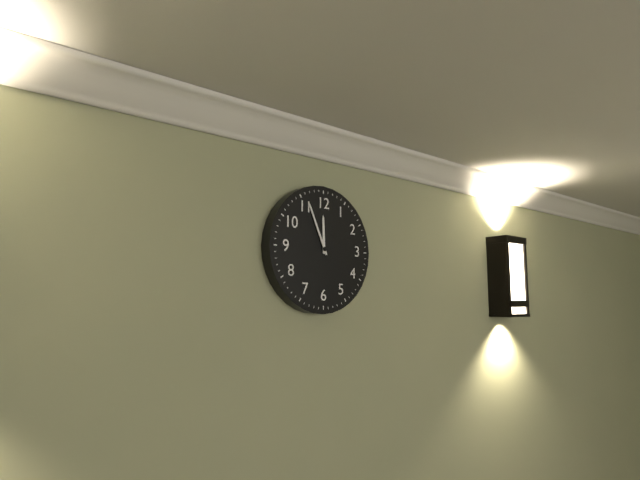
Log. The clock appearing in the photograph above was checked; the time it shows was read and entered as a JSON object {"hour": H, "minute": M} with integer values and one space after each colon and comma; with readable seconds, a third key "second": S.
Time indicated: {"hour": 11, "minute": 56}
